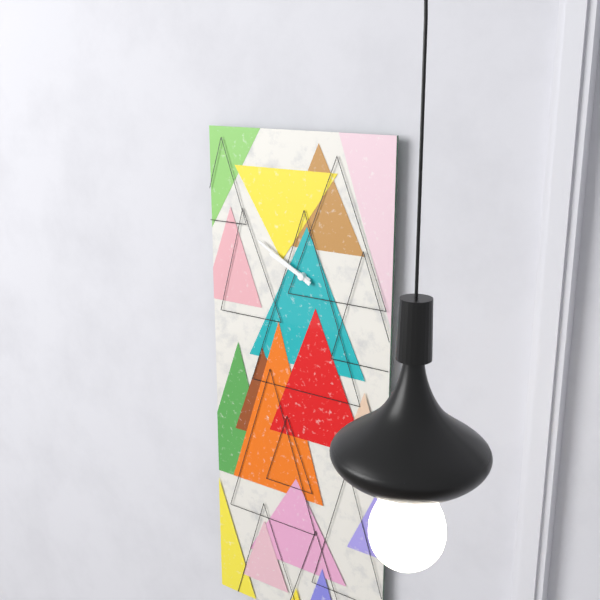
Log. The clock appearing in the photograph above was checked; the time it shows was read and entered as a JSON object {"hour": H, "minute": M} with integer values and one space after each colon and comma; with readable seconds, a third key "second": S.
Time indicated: {"hour": 9, "minute": 50}
